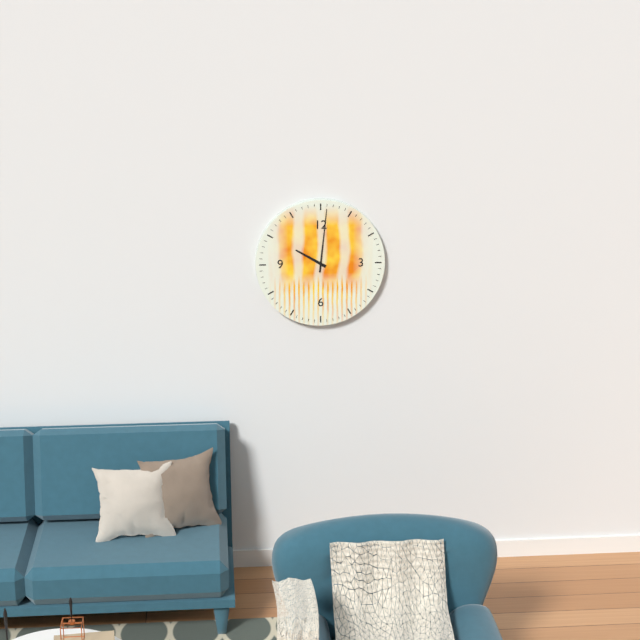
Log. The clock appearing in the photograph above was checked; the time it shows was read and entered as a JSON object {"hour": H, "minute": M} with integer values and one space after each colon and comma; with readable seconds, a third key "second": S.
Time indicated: {"hour": 10, "minute": 1}
